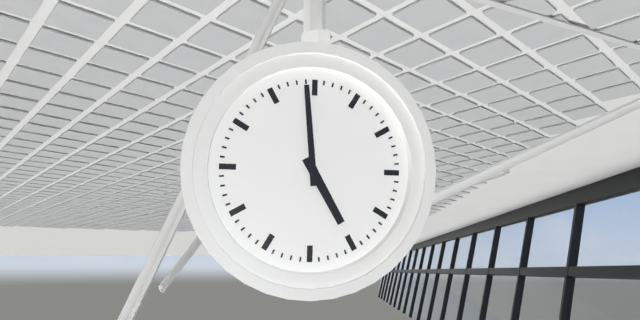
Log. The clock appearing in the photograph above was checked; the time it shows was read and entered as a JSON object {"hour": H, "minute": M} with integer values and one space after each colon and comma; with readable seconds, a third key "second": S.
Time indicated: {"hour": 4, "minute": 59}
